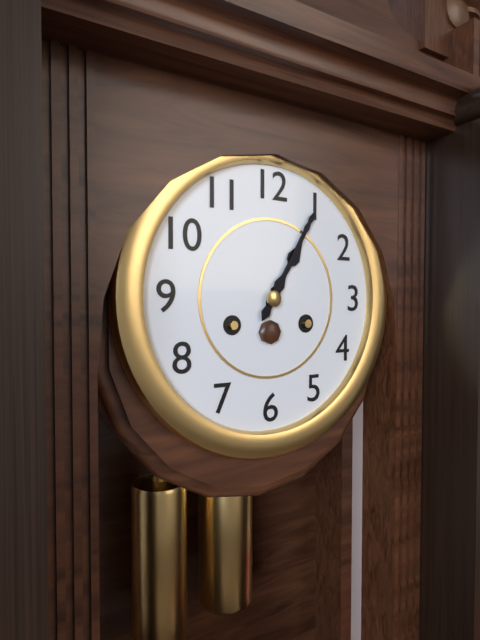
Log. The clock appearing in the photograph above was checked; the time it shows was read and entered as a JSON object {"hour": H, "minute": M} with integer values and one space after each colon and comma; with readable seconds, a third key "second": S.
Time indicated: {"hour": 1, "minute": 5}
